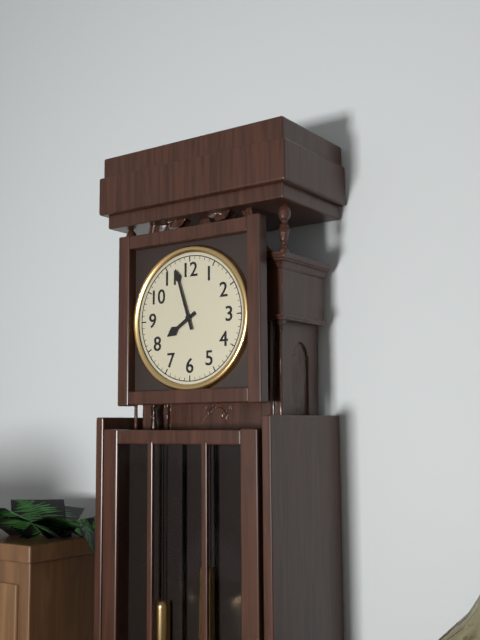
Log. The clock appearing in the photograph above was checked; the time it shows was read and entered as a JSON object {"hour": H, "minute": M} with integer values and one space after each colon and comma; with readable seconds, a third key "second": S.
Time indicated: {"hour": 7, "minute": 57}
